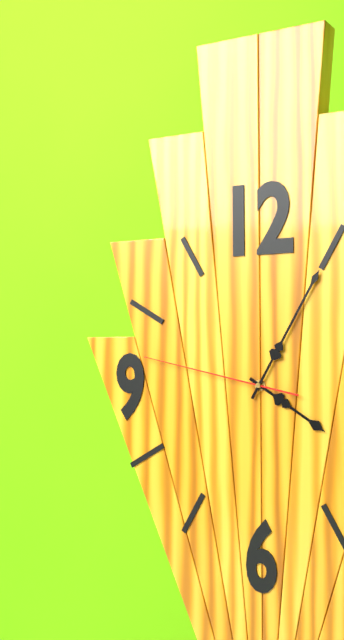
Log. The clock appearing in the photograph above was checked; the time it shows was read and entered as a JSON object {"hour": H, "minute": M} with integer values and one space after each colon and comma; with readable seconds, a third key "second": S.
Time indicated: {"hour": 4, "minute": 5, "second": 47}
